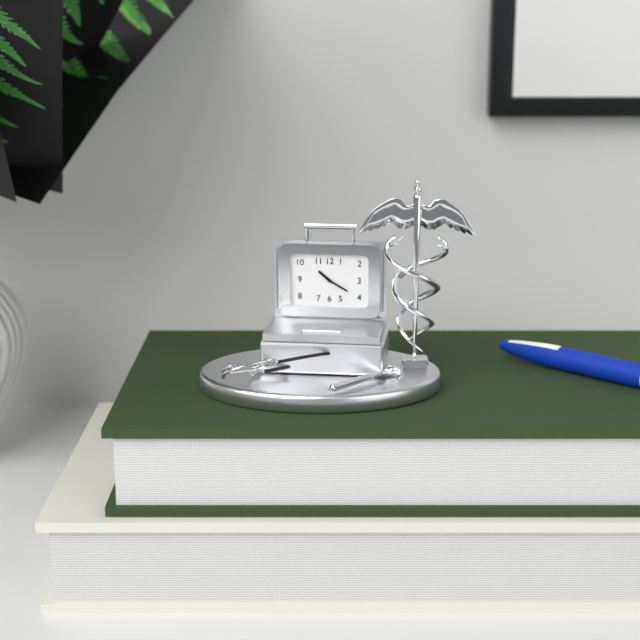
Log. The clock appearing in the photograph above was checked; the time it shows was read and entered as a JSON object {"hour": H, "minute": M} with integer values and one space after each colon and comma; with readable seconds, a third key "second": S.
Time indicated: {"hour": 10, "minute": 20}
